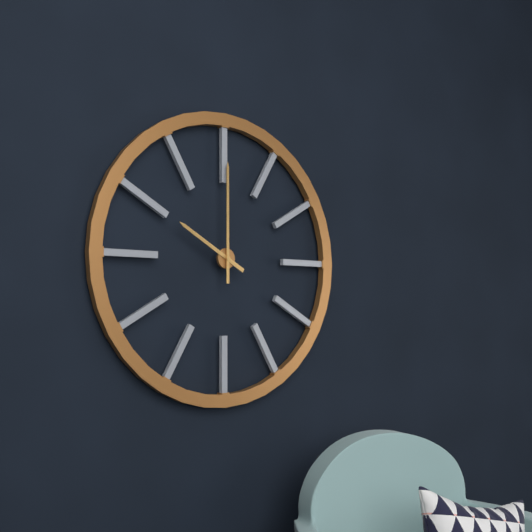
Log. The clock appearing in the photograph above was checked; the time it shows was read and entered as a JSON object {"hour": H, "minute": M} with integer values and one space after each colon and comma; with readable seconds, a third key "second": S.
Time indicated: {"hour": 10, "minute": 0}
